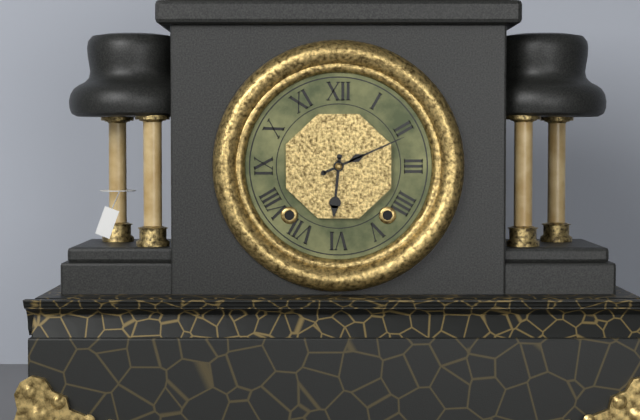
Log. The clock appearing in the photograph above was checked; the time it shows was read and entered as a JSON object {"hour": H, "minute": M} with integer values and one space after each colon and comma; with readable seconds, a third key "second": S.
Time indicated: {"hour": 6, "minute": 11}
